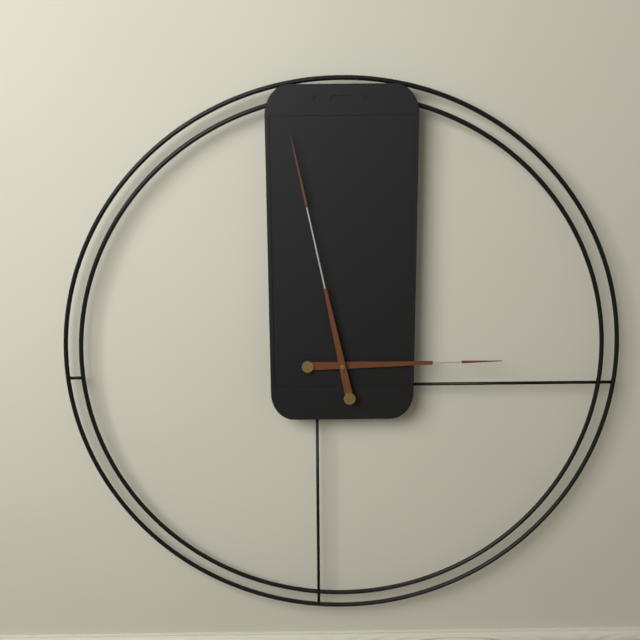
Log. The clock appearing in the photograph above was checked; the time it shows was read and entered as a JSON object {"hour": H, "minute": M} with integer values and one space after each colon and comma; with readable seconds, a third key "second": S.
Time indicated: {"hour": 2, "minute": 58}
